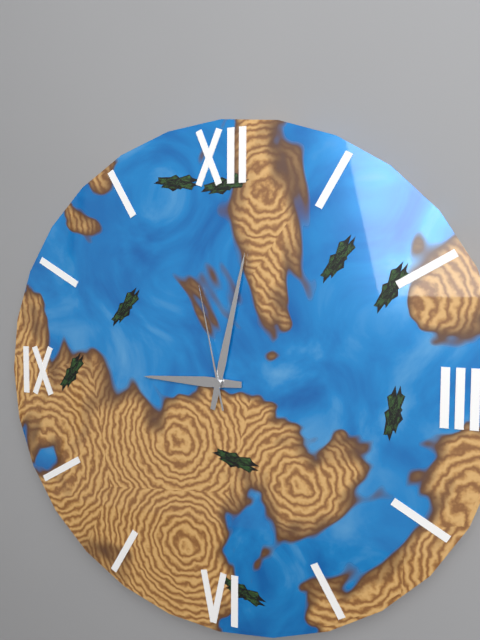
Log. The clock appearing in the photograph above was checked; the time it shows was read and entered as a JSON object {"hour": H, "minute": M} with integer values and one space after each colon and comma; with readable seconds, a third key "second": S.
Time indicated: {"hour": 9, "minute": 2, "second": 58}
